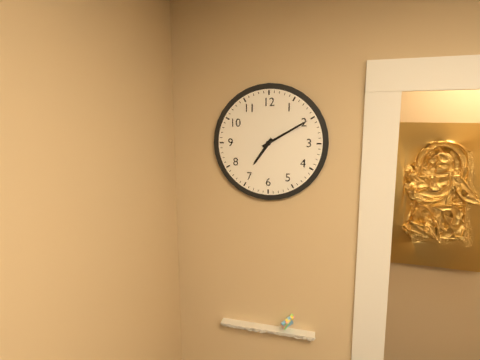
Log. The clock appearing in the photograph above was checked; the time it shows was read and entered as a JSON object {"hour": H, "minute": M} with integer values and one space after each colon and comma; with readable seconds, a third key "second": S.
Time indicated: {"hour": 7, "minute": 10}
